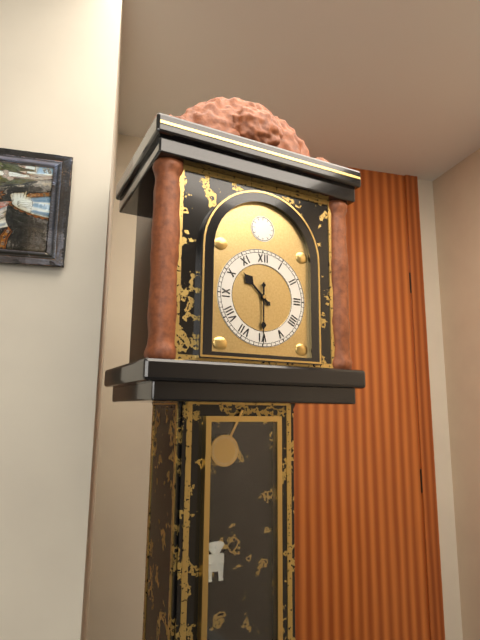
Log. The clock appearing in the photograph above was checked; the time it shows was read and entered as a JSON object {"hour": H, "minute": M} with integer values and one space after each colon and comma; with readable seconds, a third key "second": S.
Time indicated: {"hour": 10, "minute": 30}
